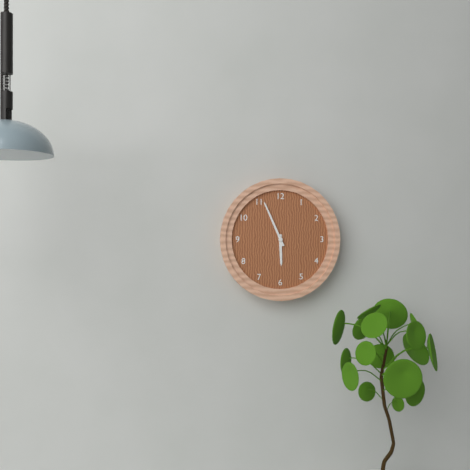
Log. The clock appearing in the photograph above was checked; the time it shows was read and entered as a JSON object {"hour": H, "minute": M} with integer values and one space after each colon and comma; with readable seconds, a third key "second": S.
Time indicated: {"hour": 5, "minute": 56}
